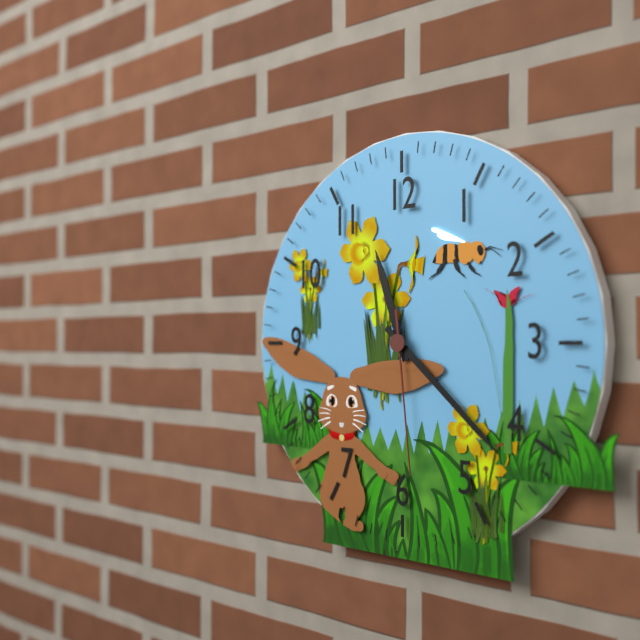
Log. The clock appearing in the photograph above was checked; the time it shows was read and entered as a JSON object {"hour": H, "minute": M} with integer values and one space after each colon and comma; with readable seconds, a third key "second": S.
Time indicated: {"hour": 11, "minute": 22, "second": 29}
